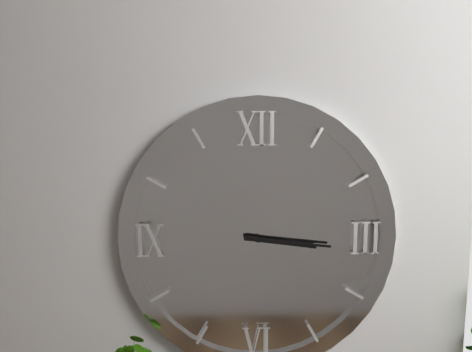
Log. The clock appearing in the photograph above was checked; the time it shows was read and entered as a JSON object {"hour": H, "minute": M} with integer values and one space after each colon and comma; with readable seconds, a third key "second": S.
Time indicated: {"hour": 3, "minute": 16}
